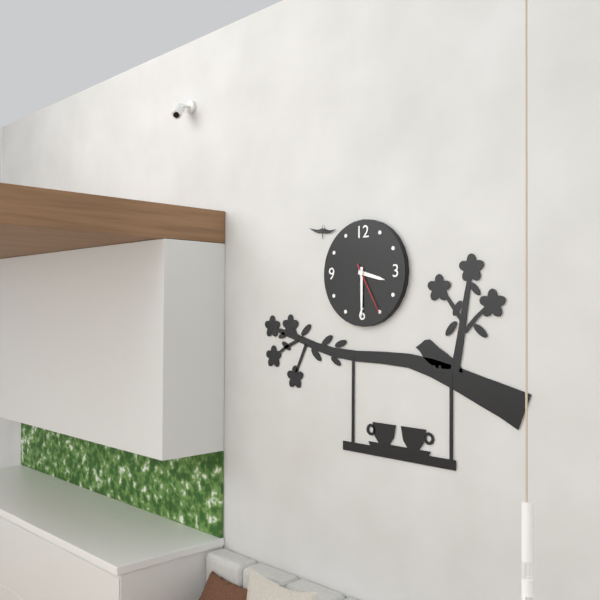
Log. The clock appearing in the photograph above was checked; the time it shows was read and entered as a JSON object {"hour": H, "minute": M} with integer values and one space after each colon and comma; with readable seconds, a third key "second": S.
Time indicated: {"hour": 3, "minute": 30, "second": 25}
